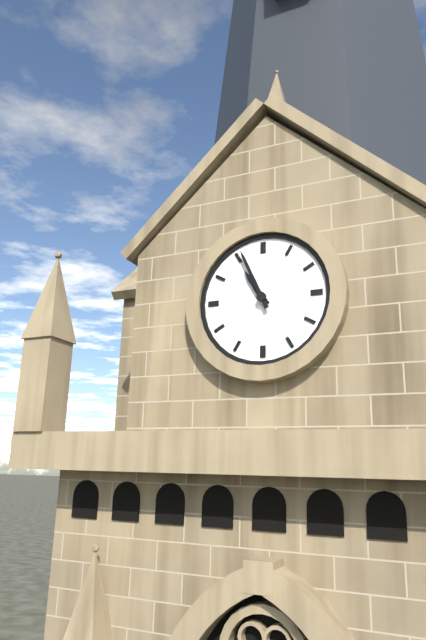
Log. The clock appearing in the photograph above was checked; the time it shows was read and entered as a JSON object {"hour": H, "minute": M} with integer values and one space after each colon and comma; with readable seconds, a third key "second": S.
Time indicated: {"hour": 10, "minute": 56}
